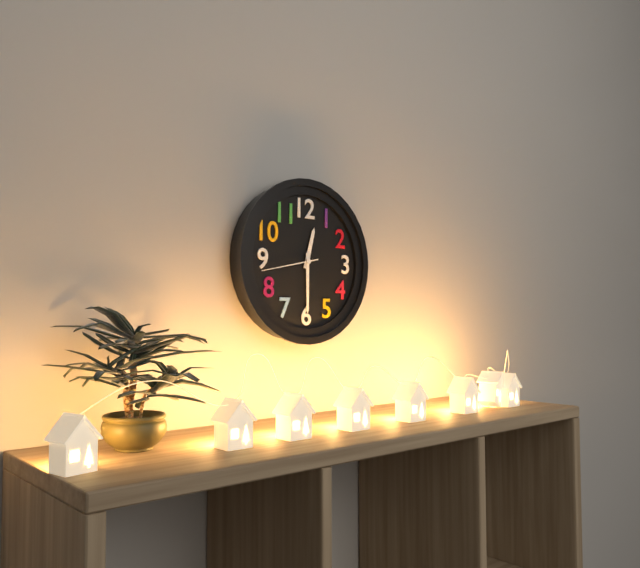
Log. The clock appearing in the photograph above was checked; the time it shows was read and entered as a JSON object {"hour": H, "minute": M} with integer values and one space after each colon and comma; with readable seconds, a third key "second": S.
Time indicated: {"hour": 12, "minute": 30, "second": 43}
